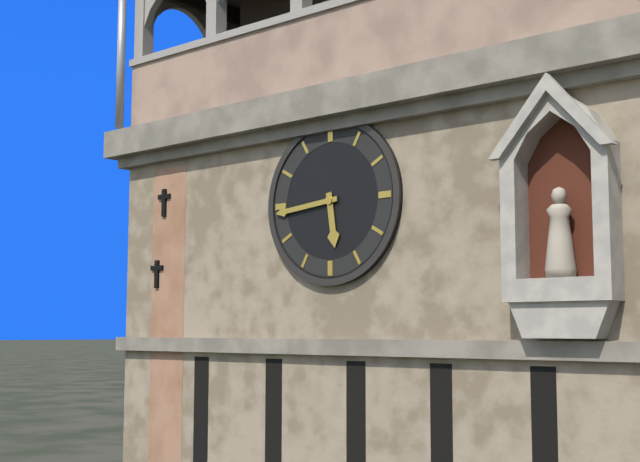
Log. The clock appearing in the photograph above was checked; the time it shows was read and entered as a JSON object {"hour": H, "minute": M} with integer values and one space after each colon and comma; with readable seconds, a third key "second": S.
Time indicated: {"hour": 5, "minute": 44}
